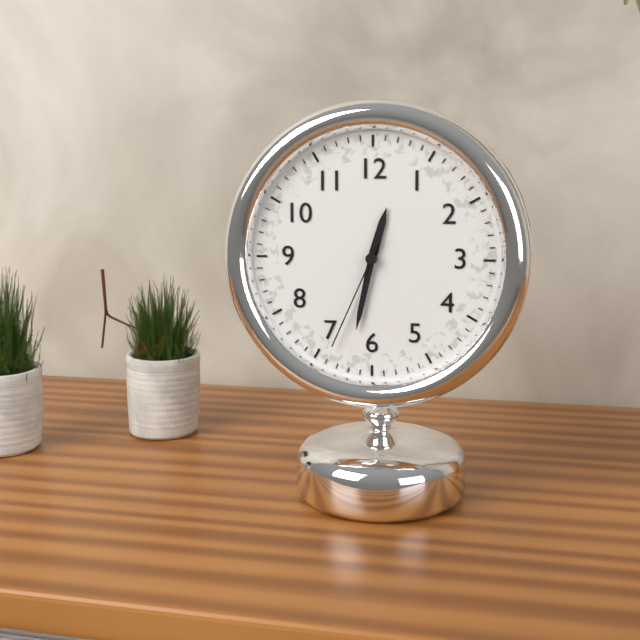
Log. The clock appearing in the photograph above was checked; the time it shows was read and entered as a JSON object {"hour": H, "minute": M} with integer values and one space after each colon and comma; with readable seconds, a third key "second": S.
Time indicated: {"hour": 12, "minute": 32, "second": 34}
